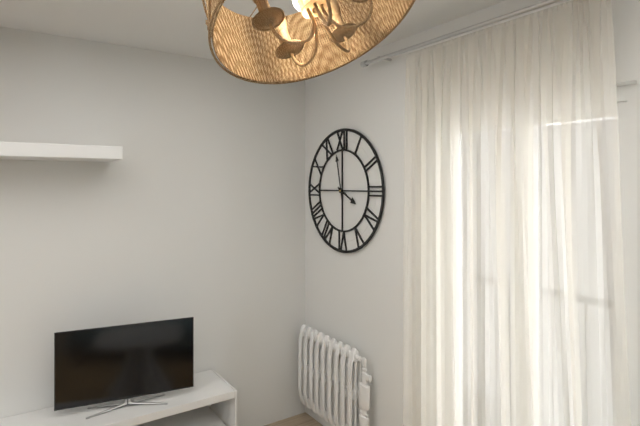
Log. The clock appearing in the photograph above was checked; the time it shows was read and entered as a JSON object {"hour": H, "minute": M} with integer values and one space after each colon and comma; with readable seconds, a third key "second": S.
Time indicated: {"hour": 3, "minute": 58}
